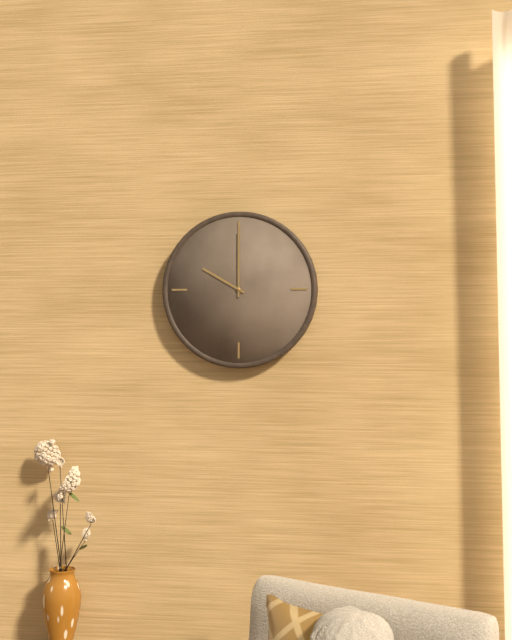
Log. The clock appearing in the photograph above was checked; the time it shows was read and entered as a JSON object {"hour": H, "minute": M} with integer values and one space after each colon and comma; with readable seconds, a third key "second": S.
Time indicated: {"hour": 10, "minute": 0}
